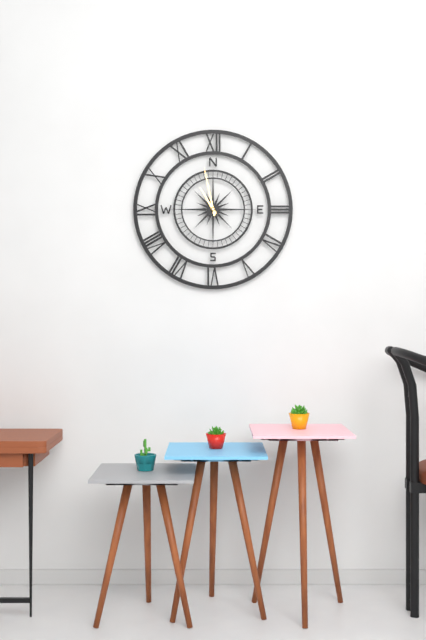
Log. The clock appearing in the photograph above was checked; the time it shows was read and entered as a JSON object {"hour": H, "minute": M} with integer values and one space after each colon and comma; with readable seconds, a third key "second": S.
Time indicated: {"hour": 10, "minute": 58}
